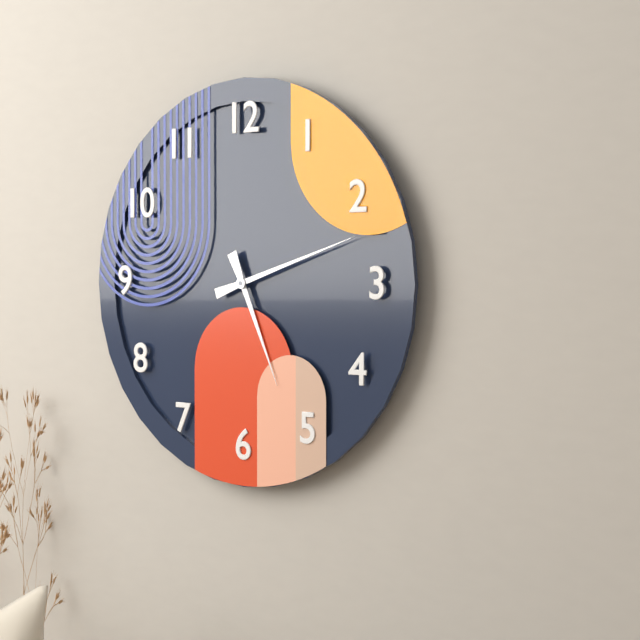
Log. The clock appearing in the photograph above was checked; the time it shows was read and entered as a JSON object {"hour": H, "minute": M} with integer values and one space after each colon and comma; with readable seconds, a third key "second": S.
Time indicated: {"hour": 5, "minute": 12}
